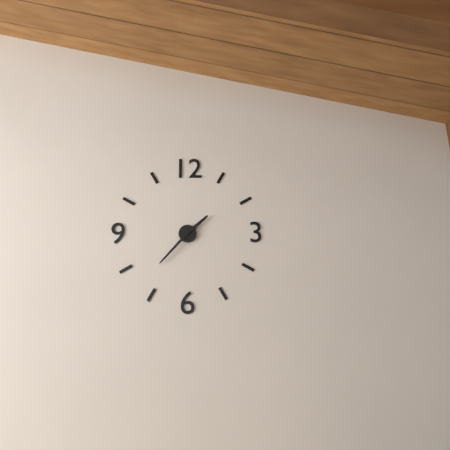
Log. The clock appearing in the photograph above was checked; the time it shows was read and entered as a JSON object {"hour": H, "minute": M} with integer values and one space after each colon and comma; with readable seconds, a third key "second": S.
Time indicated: {"hour": 1, "minute": 37}
